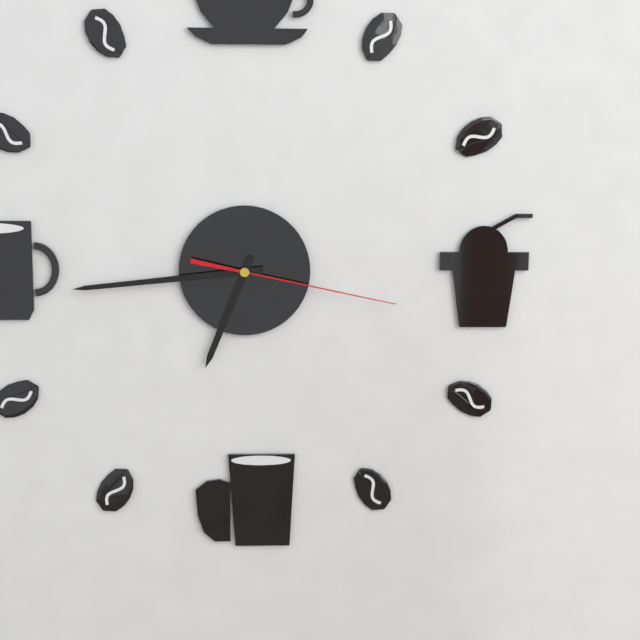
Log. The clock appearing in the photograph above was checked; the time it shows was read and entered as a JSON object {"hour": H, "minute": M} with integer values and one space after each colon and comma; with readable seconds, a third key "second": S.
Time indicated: {"hour": 6, "minute": 44, "second": 17}
